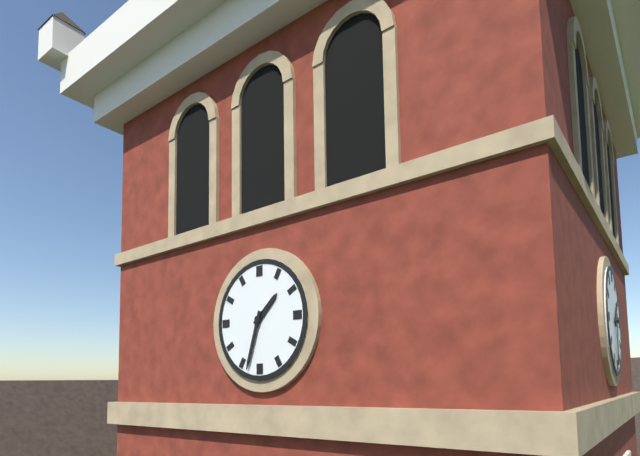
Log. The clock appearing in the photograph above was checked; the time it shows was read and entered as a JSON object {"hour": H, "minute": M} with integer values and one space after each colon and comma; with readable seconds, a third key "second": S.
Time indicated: {"hour": 1, "minute": 33}
